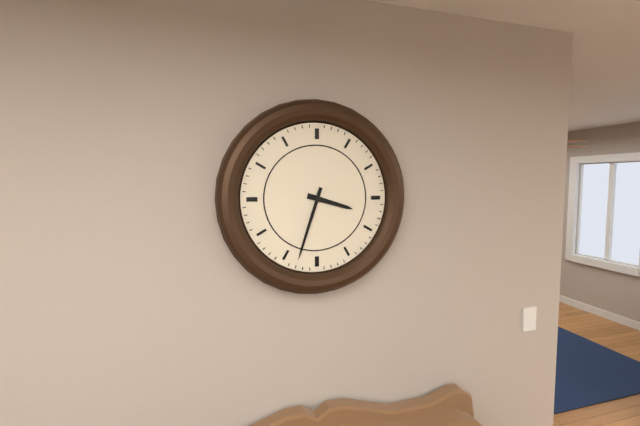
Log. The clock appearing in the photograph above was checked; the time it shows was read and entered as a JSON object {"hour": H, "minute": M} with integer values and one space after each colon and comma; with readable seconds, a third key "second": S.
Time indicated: {"hour": 3, "minute": 33}
